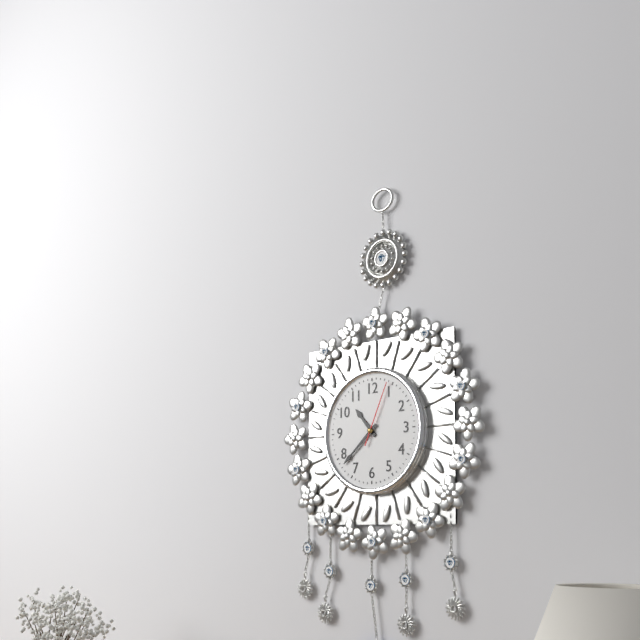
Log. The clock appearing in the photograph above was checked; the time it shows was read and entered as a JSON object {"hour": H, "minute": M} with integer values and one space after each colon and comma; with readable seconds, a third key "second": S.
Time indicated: {"hour": 10, "minute": 38, "second": 4}
